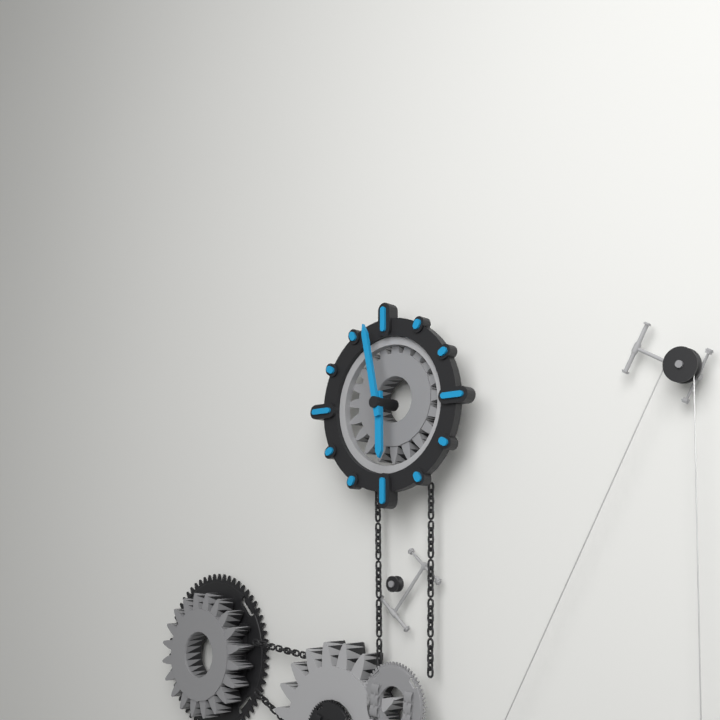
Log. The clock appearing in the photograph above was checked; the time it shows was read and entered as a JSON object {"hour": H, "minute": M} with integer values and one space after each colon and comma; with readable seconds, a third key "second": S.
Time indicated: {"hour": 5, "minute": 58}
